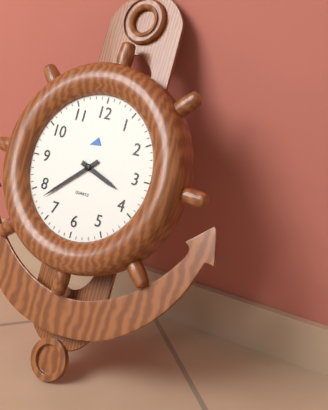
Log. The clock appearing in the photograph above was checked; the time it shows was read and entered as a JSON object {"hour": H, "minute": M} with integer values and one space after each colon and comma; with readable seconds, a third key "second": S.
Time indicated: {"hour": 3, "minute": 38}
